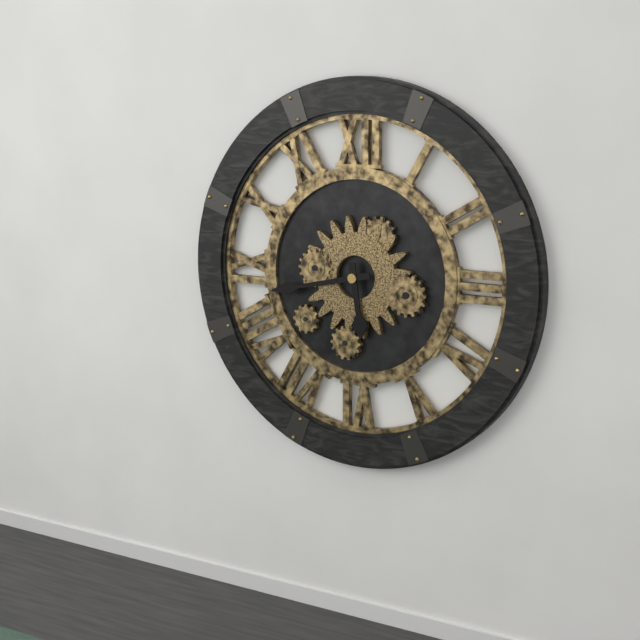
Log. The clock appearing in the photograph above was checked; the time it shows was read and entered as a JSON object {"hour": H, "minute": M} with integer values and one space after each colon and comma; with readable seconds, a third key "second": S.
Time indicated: {"hour": 5, "minute": 43}
